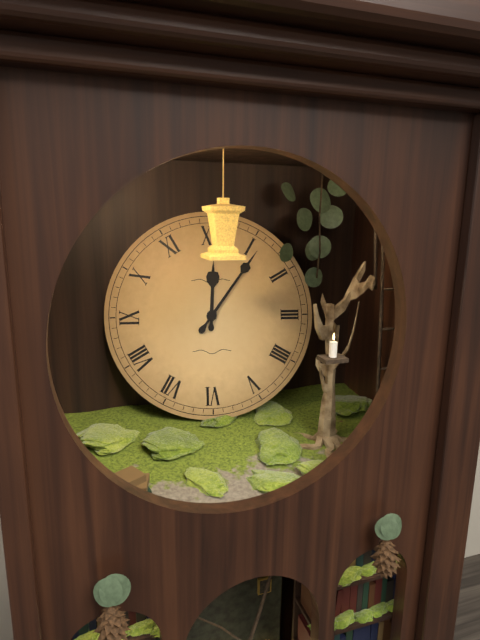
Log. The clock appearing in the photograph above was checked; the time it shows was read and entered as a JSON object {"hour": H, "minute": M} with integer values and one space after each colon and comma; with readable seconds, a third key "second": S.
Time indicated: {"hour": 12, "minute": 6}
